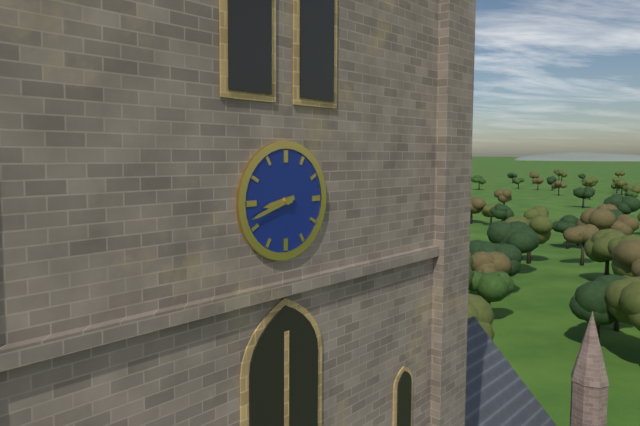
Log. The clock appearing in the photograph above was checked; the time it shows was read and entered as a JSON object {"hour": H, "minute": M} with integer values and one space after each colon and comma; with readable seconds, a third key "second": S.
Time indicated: {"hour": 8, "minute": 42}
